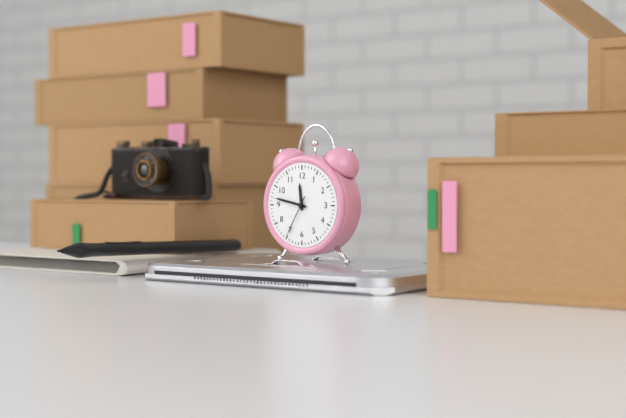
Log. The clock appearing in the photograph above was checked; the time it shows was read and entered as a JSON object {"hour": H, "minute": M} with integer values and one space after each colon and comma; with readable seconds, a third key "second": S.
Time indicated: {"hour": 11, "minute": 47}
